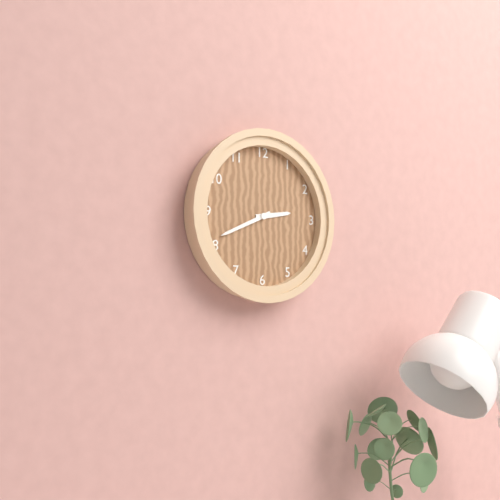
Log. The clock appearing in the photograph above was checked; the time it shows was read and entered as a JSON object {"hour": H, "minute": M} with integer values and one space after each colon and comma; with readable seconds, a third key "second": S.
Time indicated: {"hour": 2, "minute": 41}
